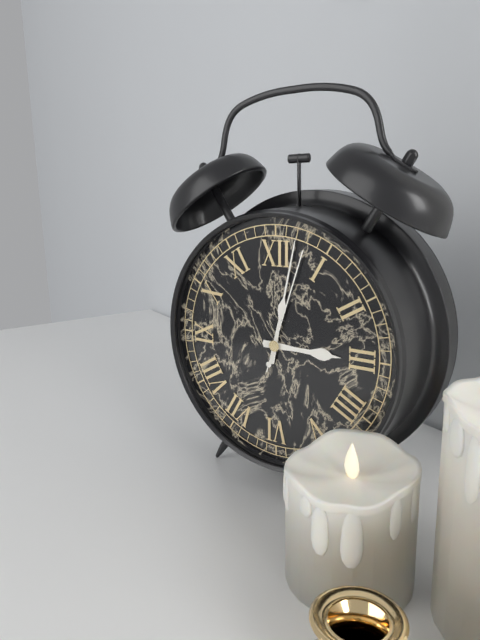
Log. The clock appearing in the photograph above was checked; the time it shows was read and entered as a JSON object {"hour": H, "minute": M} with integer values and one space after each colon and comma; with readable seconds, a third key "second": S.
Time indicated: {"hour": 3, "minute": 2, "second": 3}
